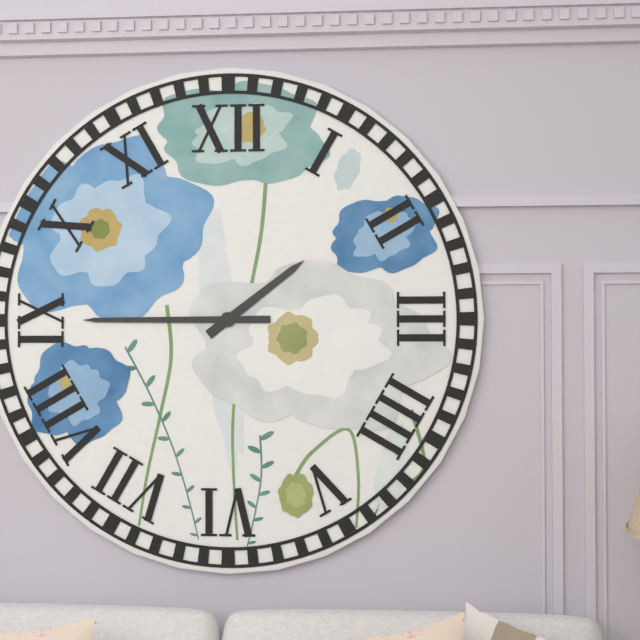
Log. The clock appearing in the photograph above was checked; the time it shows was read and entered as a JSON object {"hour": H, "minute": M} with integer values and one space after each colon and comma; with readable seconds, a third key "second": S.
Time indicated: {"hour": 1, "minute": 45}
